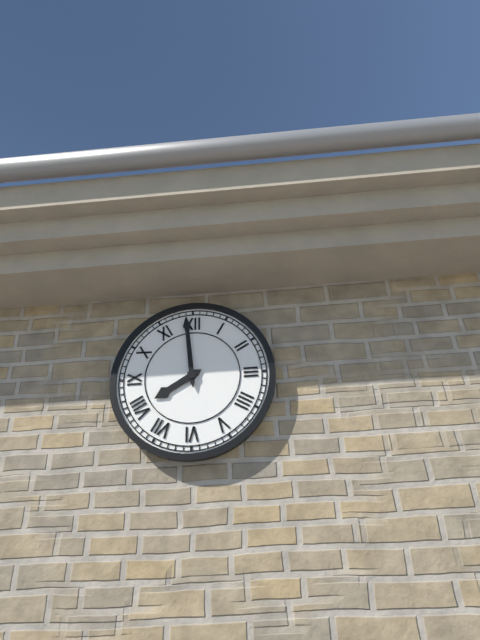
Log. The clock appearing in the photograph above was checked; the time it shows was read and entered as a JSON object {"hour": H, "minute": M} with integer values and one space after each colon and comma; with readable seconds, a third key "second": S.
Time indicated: {"hour": 7, "minute": 59}
